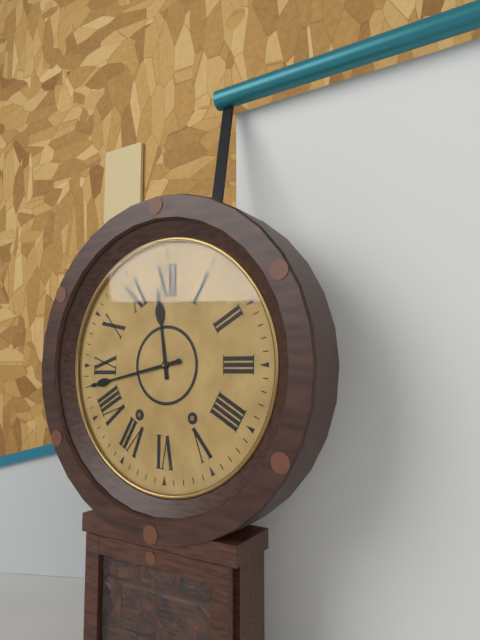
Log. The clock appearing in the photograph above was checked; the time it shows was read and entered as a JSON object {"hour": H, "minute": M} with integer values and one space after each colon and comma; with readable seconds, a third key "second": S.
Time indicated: {"hour": 11, "minute": 43}
